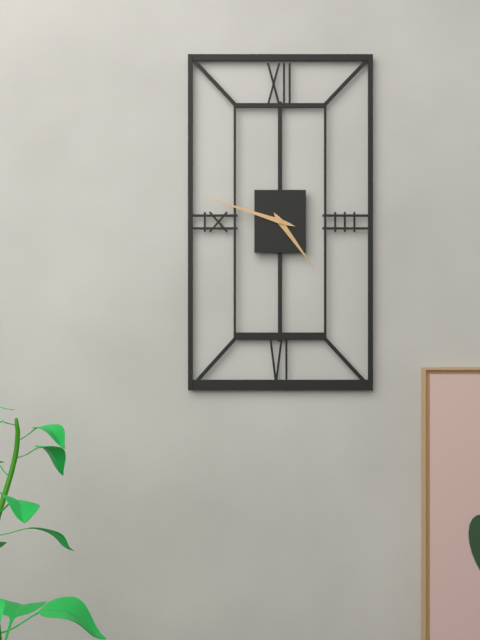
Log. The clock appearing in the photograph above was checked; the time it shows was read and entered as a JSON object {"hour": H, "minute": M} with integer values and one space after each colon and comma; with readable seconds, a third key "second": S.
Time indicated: {"hour": 4, "minute": 48}
